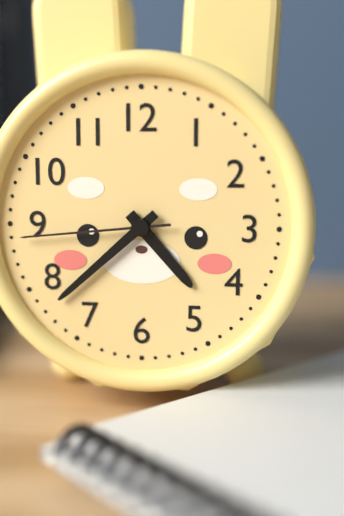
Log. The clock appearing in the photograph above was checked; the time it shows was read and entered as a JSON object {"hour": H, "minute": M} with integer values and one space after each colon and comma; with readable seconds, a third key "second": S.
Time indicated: {"hour": 4, "minute": 38, "second": 44}
